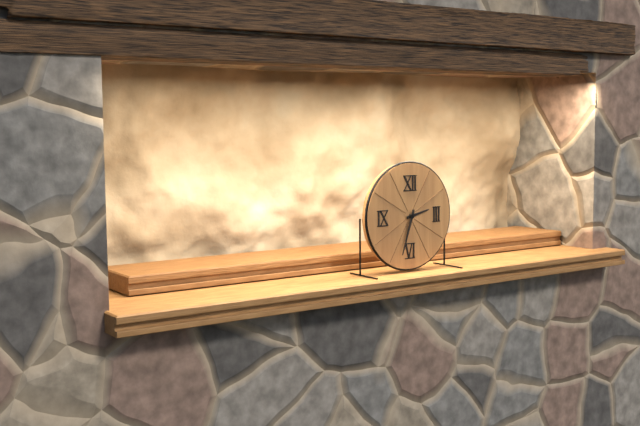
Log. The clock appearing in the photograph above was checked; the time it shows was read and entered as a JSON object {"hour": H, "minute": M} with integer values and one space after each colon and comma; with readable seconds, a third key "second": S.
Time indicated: {"hour": 2, "minute": 33}
